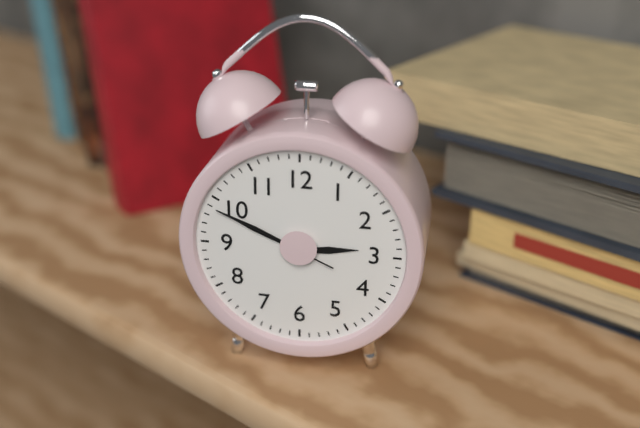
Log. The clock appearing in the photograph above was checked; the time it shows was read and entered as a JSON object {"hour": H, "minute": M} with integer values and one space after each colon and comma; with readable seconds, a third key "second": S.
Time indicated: {"hour": 2, "minute": 49, "second": 49}
